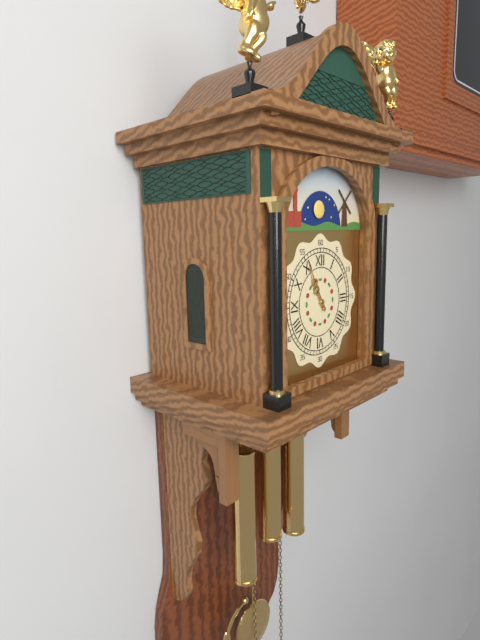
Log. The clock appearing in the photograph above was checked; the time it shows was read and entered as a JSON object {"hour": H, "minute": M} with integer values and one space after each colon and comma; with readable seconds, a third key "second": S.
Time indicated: {"hour": 10, "minute": 55}
